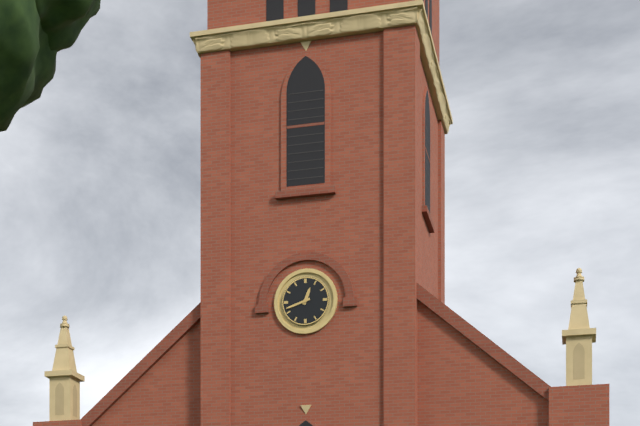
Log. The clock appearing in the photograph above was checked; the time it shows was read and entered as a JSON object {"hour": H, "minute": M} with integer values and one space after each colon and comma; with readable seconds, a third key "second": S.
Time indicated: {"hour": 12, "minute": 42}
